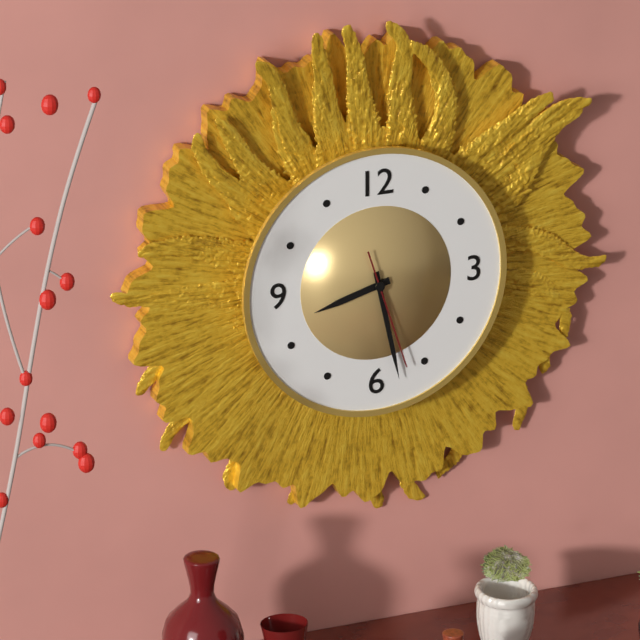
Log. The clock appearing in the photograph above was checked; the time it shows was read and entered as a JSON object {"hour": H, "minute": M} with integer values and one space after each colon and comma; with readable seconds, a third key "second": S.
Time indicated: {"hour": 8, "minute": 28, "second": 27}
